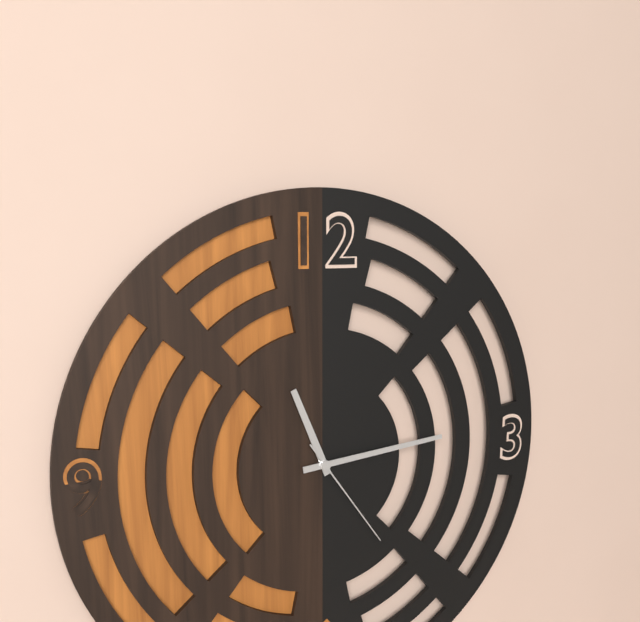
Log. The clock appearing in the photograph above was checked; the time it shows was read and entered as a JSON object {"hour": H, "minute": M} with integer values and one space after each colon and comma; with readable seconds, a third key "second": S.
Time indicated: {"hour": 11, "minute": 14, "second": 24}
